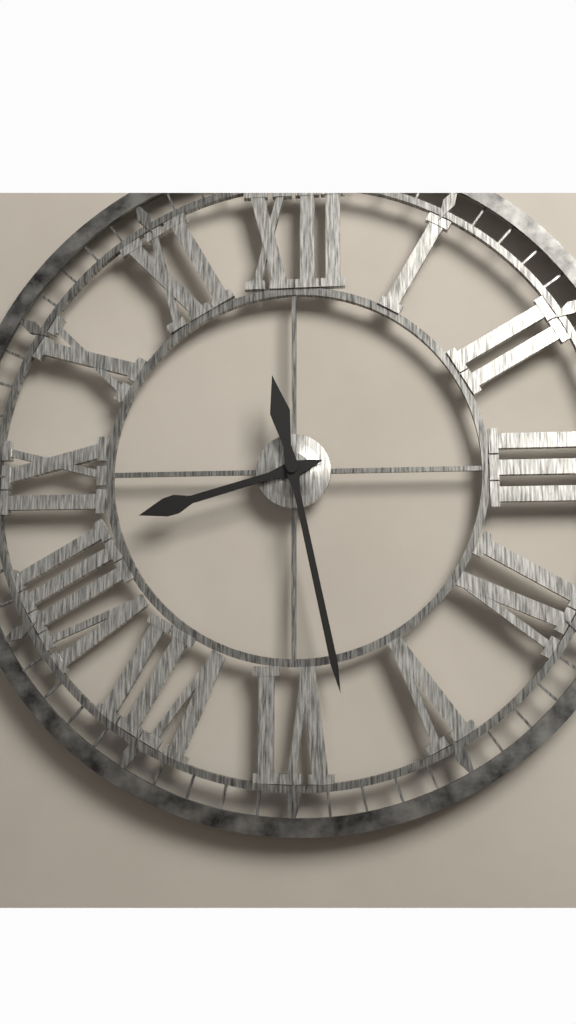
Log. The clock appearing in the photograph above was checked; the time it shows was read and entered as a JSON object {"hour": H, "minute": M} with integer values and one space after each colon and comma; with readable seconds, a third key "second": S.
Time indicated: {"hour": 8, "minute": 28}
